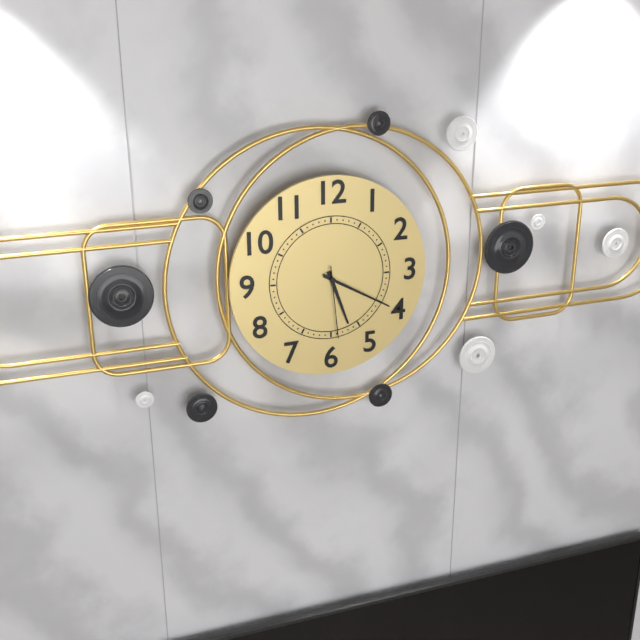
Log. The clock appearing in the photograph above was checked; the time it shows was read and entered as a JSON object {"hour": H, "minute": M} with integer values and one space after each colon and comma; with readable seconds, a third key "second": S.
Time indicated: {"hour": 5, "minute": 20, "second": 29}
